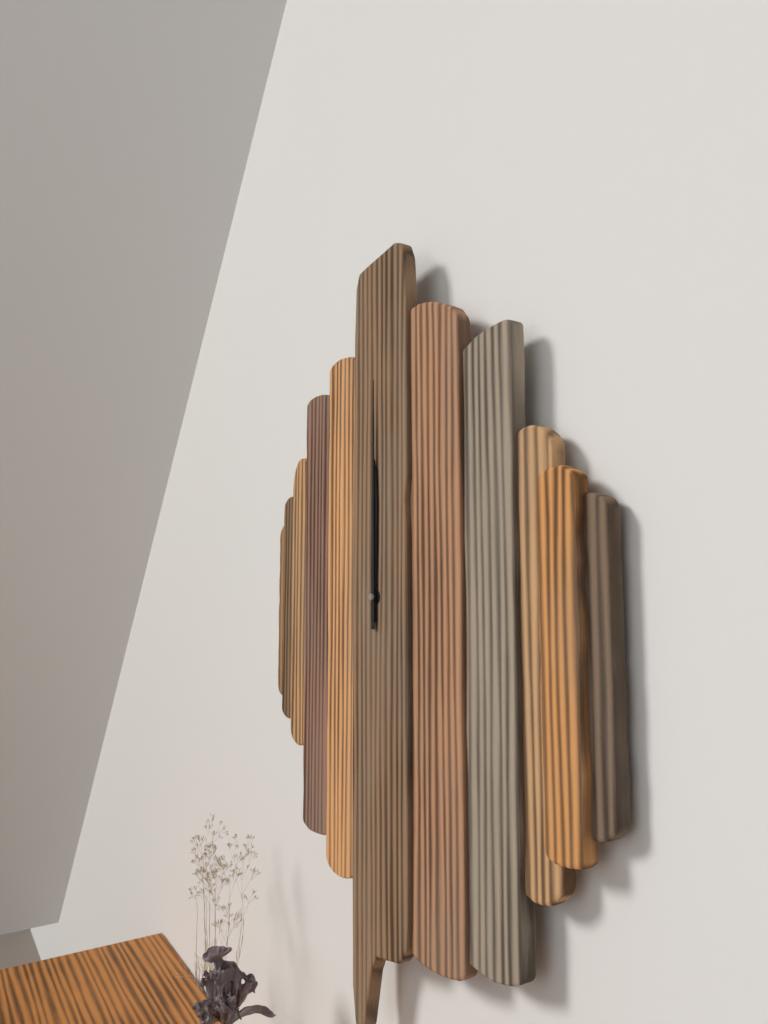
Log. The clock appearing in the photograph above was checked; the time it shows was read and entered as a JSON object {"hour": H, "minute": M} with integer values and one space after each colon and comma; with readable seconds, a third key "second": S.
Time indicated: {"hour": 12, "minute": 0}
